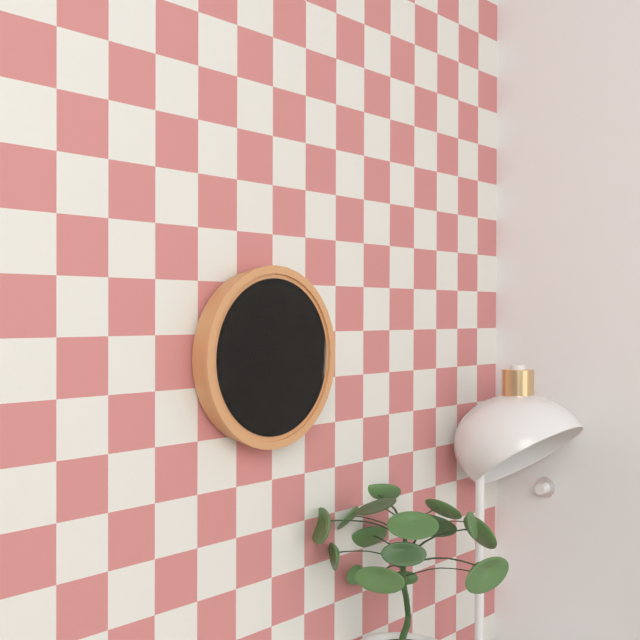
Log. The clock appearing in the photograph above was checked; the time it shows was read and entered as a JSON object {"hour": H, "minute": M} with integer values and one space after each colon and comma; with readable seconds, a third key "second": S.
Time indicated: {"hour": 8, "minute": 43}
